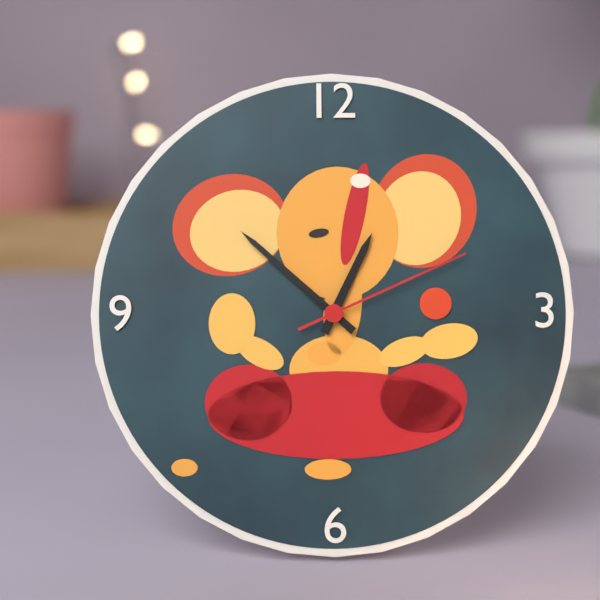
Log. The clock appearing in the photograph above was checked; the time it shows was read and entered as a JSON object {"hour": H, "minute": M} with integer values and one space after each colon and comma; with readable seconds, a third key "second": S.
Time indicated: {"hour": 12, "minute": 52, "second": 11}
